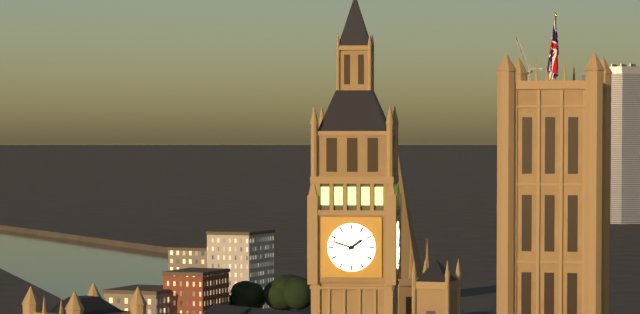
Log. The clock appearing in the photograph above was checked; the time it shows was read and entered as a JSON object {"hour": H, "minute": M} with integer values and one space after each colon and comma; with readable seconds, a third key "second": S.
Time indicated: {"hour": 1, "minute": 48}
